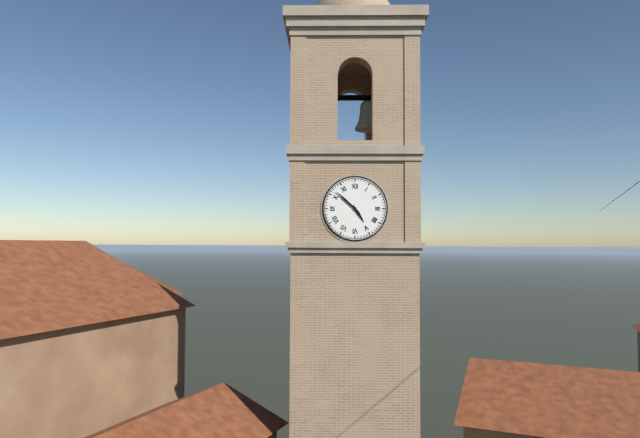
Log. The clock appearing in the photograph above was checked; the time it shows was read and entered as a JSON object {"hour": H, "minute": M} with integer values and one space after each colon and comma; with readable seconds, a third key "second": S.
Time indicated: {"hour": 4, "minute": 52}
